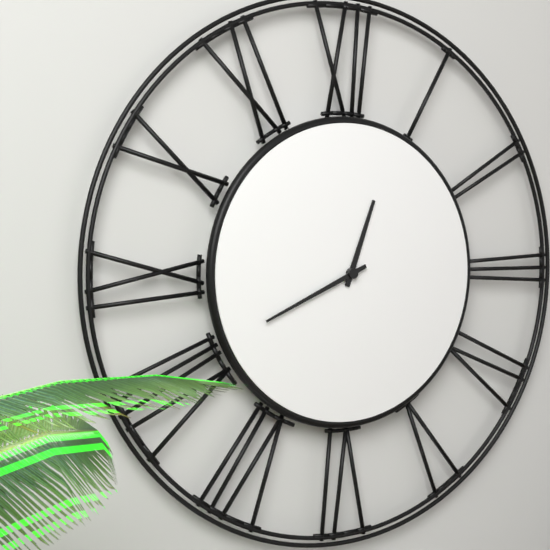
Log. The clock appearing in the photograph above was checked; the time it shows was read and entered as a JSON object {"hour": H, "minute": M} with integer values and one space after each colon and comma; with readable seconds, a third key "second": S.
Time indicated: {"hour": 12, "minute": 41}
